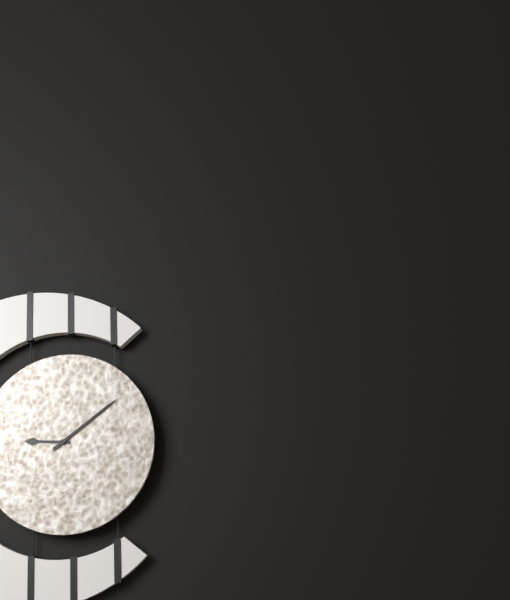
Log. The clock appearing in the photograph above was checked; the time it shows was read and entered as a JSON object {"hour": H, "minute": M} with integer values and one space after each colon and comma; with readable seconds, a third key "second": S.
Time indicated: {"hour": 9, "minute": 9}
